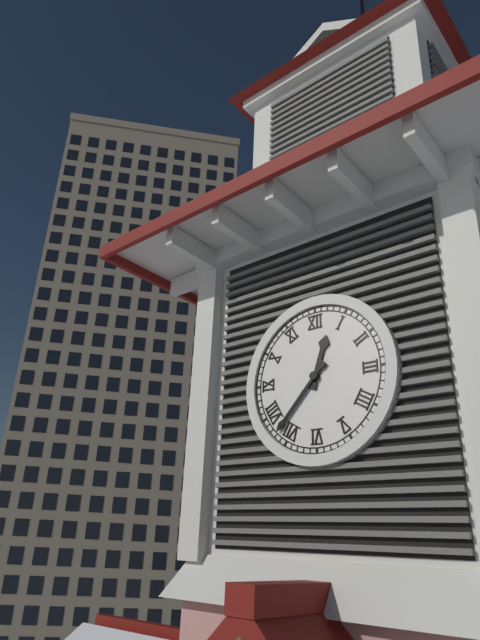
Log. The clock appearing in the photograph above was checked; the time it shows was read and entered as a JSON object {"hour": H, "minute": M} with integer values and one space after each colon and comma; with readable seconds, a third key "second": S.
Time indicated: {"hour": 12, "minute": 37}
